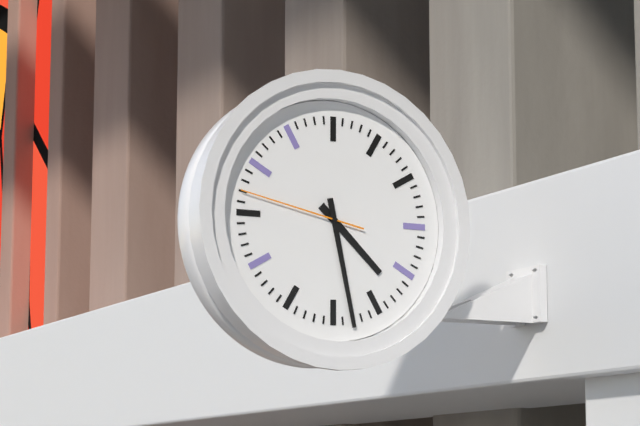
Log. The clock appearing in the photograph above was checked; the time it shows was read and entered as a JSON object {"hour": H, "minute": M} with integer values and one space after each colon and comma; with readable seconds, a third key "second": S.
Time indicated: {"hour": 4, "minute": 28, "second": 47}
